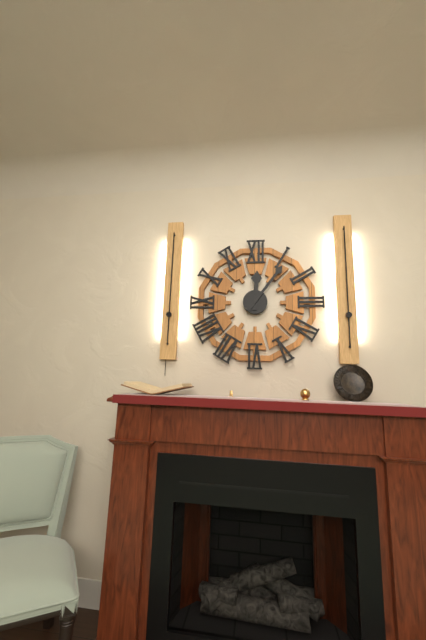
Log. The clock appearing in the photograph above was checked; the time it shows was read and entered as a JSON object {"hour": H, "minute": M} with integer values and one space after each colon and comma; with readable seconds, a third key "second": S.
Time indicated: {"hour": 12, "minute": 6}
